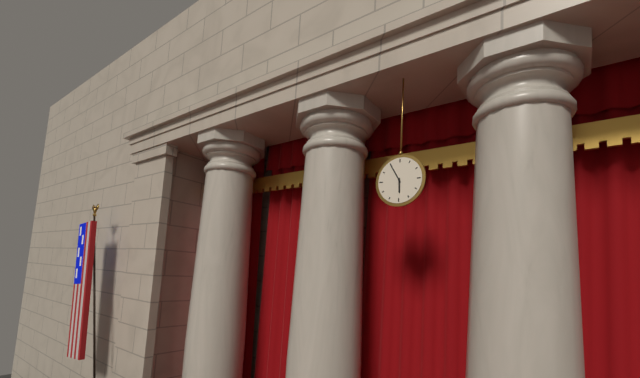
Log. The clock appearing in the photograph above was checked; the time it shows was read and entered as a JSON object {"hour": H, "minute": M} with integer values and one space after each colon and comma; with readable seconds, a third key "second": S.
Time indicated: {"hour": 5, "minute": 55}
